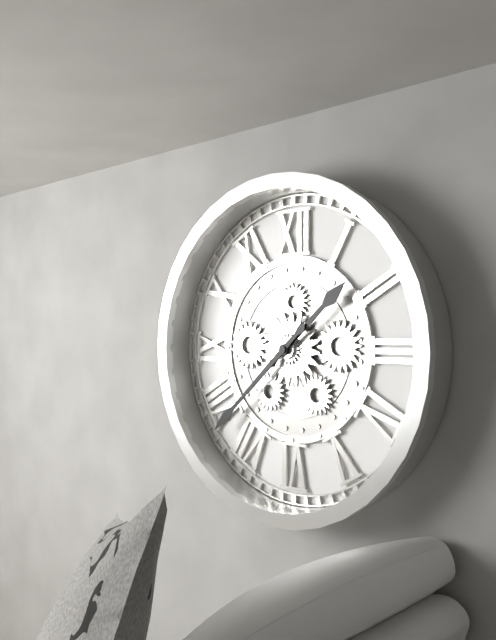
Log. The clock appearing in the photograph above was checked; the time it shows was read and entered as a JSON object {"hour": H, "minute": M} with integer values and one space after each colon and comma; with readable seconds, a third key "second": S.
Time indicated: {"hour": 1, "minute": 38}
